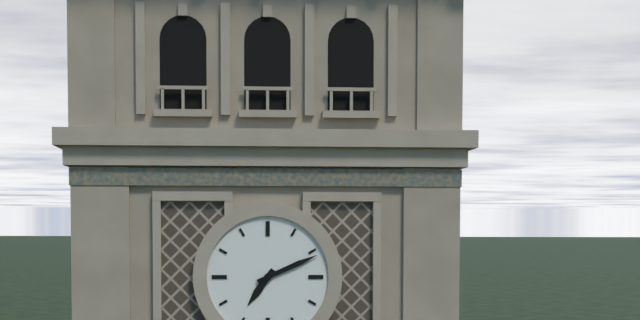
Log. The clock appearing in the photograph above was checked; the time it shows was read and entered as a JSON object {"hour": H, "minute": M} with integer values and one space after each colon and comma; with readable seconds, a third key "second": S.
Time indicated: {"hour": 7, "minute": 11}
